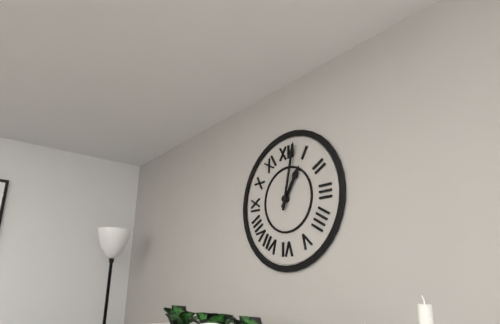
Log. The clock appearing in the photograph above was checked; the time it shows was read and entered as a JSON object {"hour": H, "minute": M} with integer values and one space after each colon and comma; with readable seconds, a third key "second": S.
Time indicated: {"hour": 1, "minute": 2}
